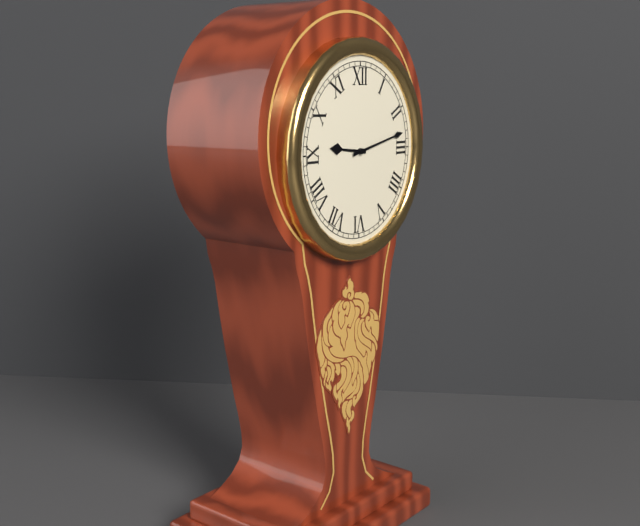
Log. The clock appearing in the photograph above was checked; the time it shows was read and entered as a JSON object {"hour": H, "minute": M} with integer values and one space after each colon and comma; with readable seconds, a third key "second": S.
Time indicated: {"hour": 9, "minute": 13}
